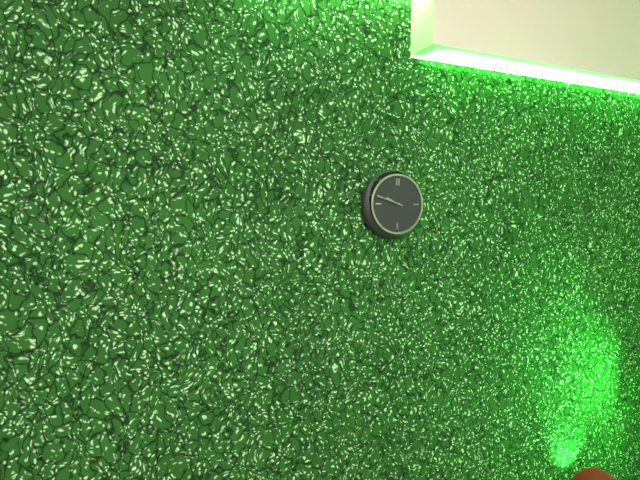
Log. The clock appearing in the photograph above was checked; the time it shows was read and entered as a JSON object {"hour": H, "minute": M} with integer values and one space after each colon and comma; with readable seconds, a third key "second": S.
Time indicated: {"hour": 9, "minute": 48}
